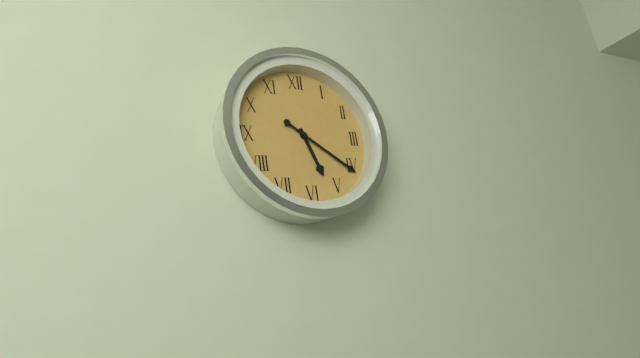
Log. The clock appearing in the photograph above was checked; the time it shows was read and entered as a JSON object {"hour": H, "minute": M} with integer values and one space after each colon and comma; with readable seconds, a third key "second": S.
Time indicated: {"hour": 5, "minute": 21}
